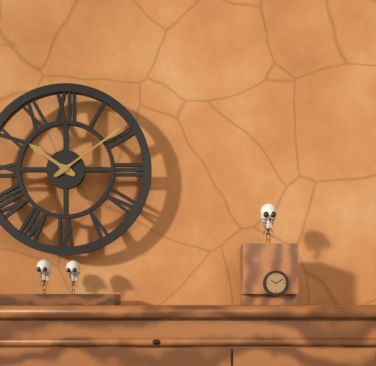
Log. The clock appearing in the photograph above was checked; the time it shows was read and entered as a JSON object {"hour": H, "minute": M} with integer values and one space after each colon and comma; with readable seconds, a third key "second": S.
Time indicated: {"hour": 10, "minute": 9}
